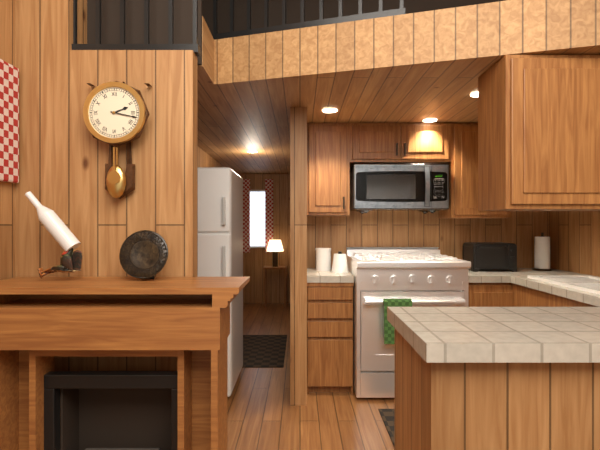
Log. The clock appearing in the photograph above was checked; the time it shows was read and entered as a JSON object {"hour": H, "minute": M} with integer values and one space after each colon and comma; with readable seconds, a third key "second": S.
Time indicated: {"hour": 2, "minute": 17}
